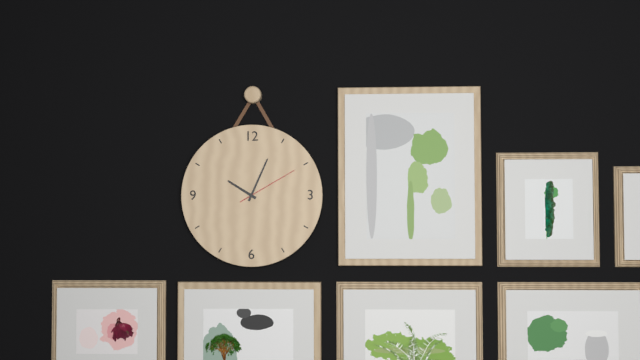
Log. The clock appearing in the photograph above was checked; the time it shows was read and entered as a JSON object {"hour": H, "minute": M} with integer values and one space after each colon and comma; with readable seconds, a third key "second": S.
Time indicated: {"hour": 10, "minute": 4, "second": 10}
